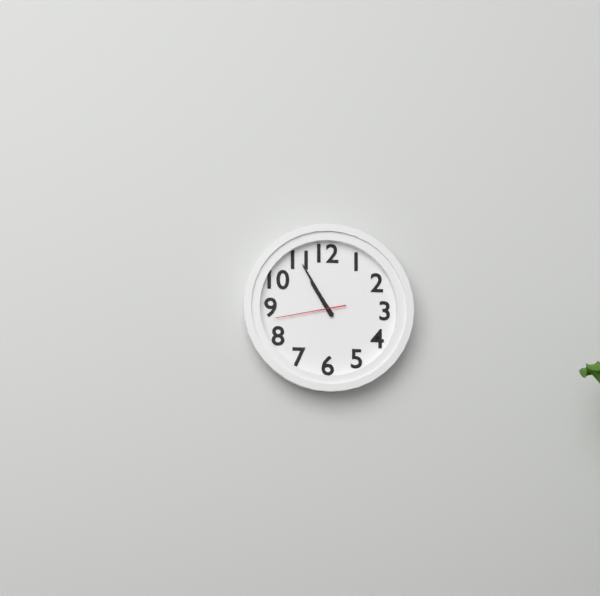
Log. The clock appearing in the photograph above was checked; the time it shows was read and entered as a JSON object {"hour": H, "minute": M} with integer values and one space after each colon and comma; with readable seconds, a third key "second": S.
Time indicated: {"hour": 10, "minute": 55, "second": 43}
